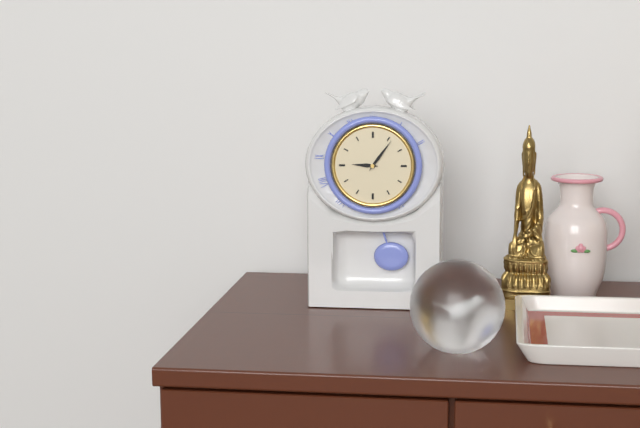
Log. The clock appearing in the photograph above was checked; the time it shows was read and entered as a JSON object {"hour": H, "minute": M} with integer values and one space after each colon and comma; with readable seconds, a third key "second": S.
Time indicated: {"hour": 9, "minute": 6}
